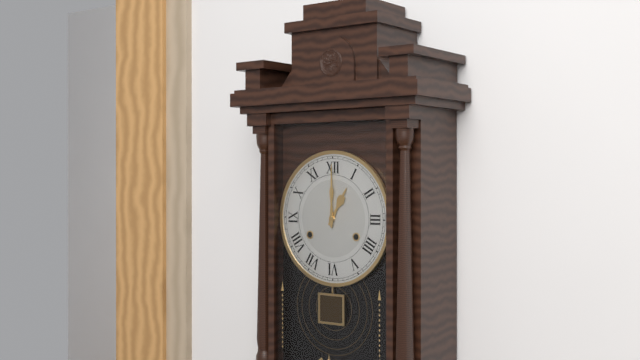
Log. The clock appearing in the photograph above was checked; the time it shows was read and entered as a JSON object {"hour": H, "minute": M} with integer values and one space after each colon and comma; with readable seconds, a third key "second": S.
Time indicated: {"hour": 1, "minute": 0}
